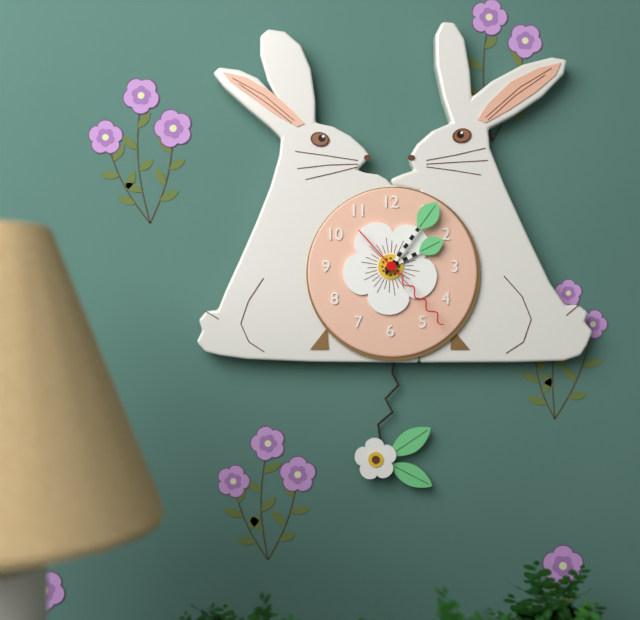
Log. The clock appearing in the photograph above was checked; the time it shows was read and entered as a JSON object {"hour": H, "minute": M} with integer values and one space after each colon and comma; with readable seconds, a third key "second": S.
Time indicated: {"hour": 2, "minute": 6, "second": 23}
